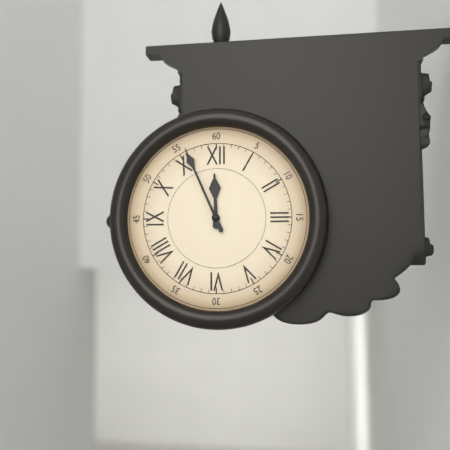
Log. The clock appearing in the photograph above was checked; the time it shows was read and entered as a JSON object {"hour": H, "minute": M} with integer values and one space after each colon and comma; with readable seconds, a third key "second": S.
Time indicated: {"hour": 11, "minute": 56}
